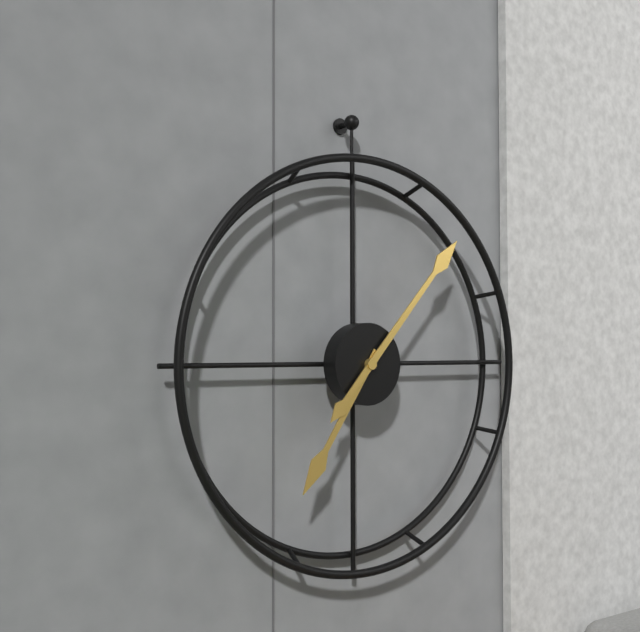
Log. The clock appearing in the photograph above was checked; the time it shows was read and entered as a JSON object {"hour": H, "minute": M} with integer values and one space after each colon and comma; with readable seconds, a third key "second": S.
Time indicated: {"hour": 7, "minute": 7}
